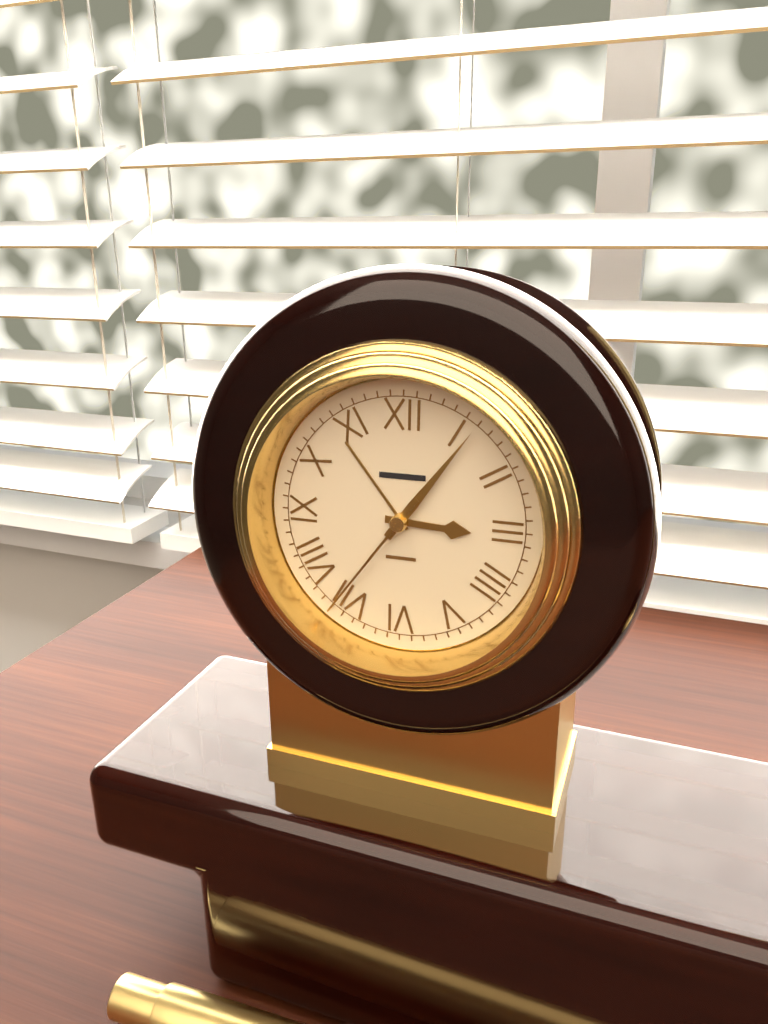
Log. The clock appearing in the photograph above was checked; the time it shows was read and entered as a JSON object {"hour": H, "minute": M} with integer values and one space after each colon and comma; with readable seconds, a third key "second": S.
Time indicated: {"hour": 3, "minute": 6, "second": 36}
